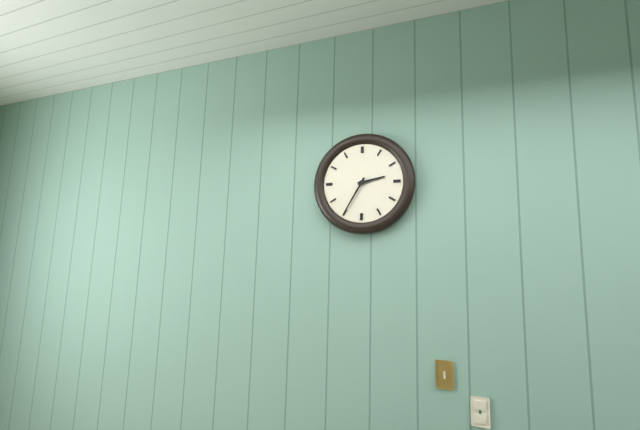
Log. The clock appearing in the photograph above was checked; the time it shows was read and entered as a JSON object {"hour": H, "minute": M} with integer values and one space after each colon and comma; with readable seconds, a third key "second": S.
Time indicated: {"hour": 2, "minute": 35}
